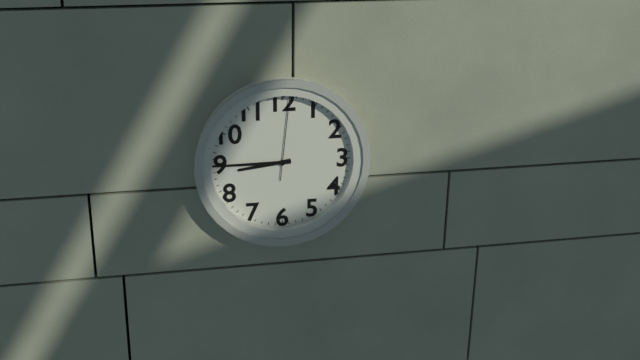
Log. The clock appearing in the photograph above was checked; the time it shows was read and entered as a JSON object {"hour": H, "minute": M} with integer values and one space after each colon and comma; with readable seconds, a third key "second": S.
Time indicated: {"hour": 8, "minute": 45, "second": 1}
